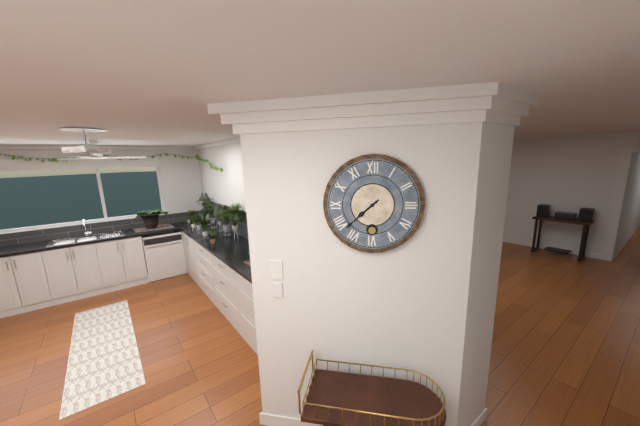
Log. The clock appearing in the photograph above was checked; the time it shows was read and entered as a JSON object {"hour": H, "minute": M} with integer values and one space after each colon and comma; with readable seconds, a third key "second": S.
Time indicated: {"hour": 7, "minute": 38}
